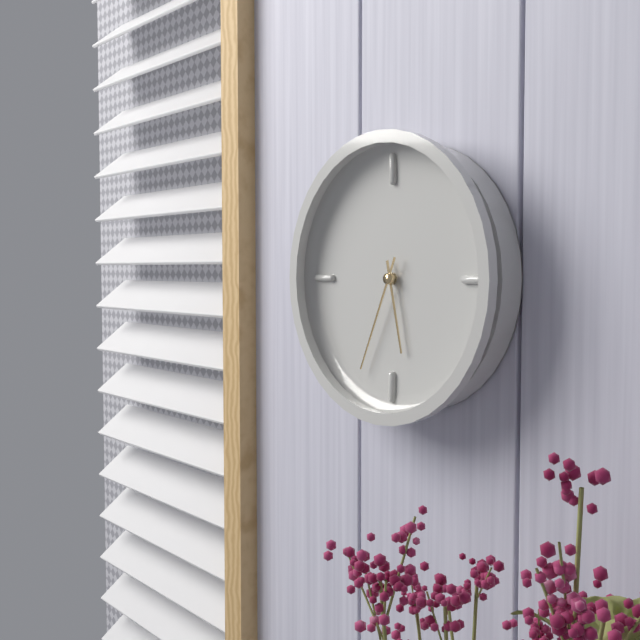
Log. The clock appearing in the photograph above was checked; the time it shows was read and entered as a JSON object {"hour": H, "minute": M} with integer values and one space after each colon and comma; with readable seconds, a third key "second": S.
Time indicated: {"hour": 5, "minute": 34}
